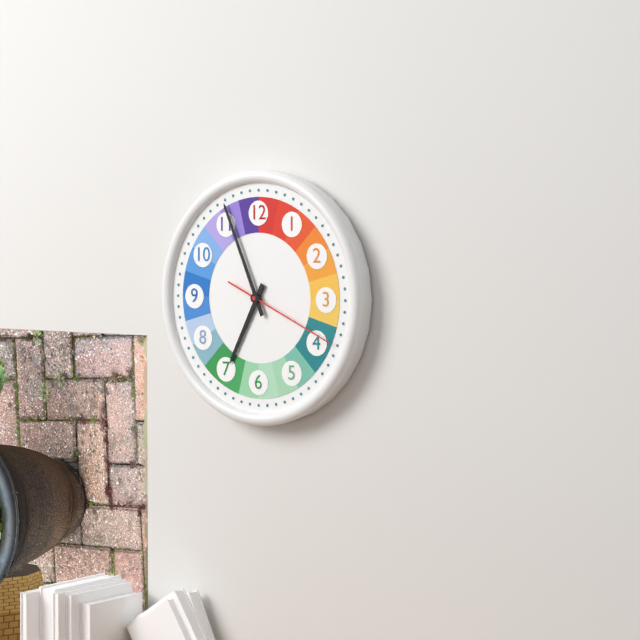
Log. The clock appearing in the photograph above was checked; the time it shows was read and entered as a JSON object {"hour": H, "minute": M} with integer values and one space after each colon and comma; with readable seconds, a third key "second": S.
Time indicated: {"hour": 6, "minute": 56, "second": 19}
